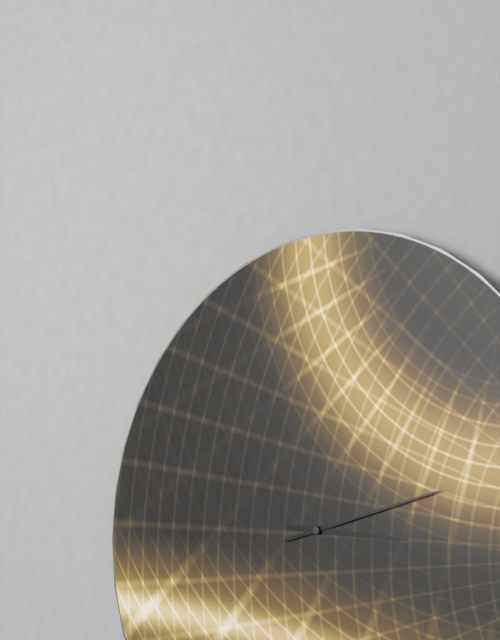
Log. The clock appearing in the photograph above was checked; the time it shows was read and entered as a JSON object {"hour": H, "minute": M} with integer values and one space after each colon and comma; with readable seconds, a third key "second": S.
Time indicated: {"hour": 3, "minute": 13}
